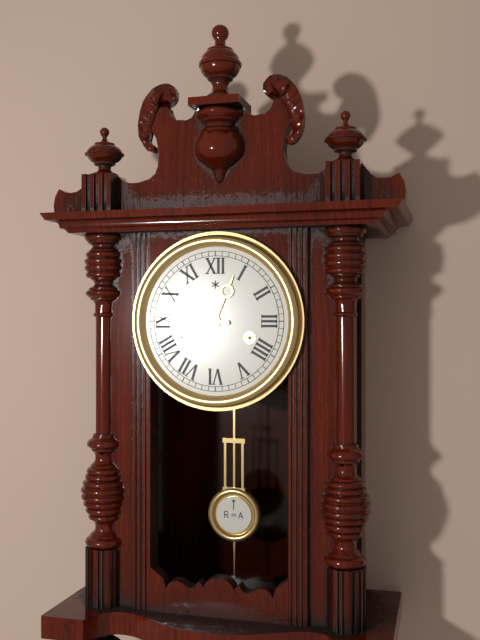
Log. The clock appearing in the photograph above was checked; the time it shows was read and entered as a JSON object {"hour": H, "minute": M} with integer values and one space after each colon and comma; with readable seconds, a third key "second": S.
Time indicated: {"hour": 12, "minute": 46}
